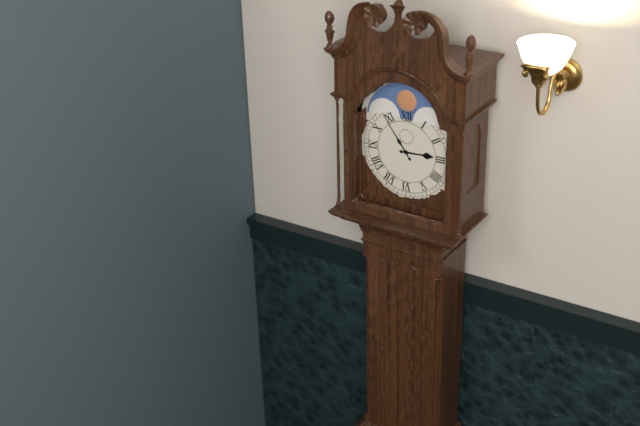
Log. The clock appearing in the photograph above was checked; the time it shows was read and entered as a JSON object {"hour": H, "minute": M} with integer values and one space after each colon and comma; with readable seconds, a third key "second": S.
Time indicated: {"hour": 2, "minute": 54}
